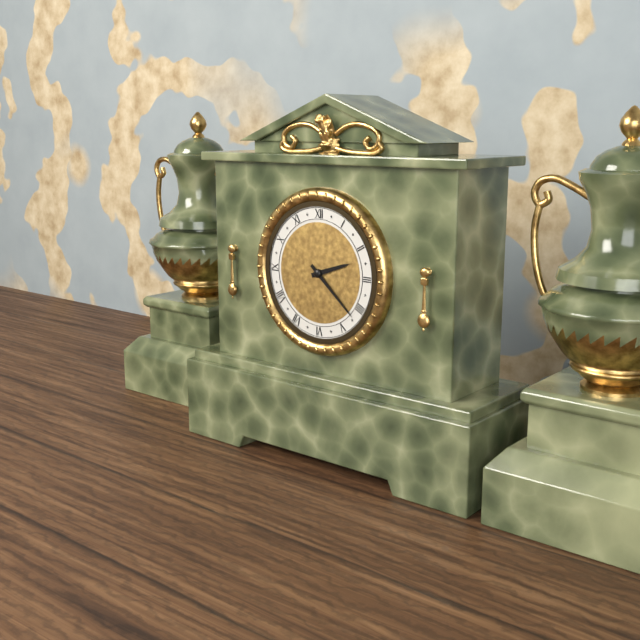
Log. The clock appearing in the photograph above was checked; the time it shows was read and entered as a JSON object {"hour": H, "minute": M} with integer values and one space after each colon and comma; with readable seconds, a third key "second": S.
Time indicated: {"hour": 2, "minute": 22}
